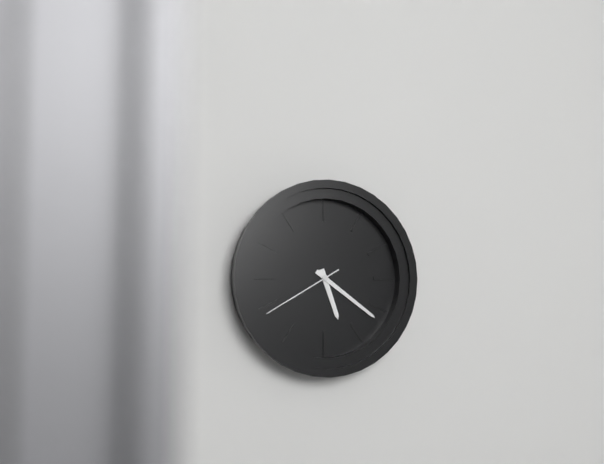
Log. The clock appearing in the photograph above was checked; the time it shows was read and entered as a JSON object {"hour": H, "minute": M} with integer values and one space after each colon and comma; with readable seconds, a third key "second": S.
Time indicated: {"hour": 5, "minute": 21, "second": 40}
